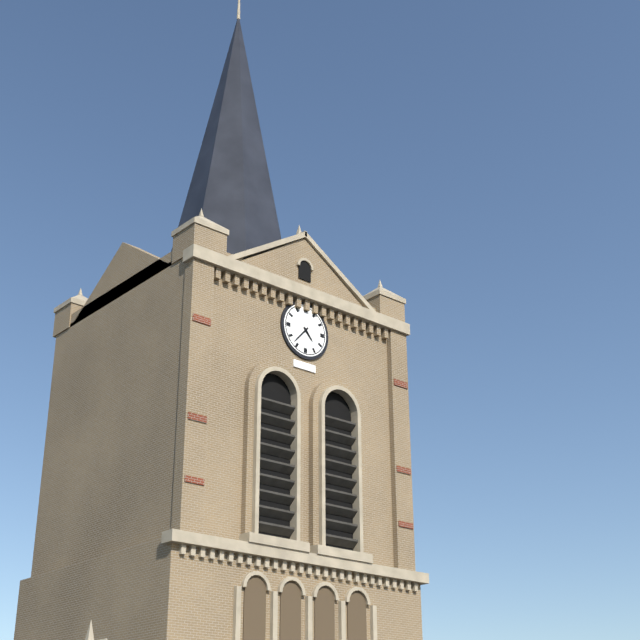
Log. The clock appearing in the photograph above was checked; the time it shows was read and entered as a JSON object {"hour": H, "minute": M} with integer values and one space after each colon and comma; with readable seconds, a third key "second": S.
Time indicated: {"hour": 4, "minute": 37}
